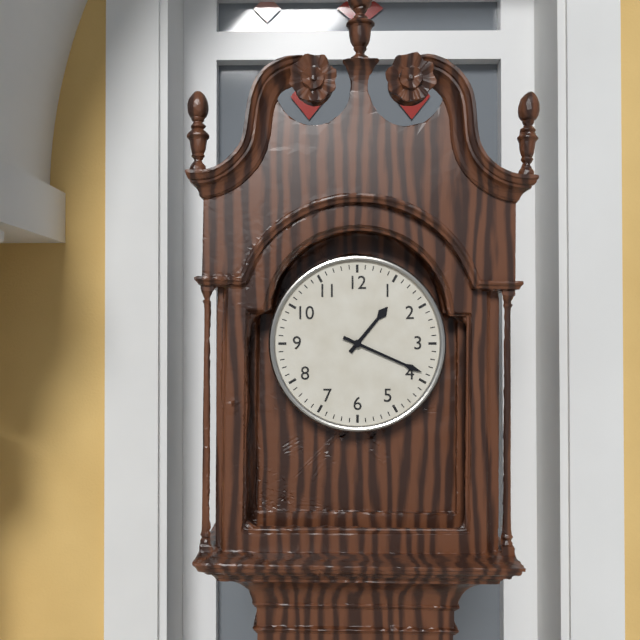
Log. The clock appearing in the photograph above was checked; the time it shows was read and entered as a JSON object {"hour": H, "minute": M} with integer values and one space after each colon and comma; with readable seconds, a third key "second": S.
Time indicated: {"hour": 1, "minute": 19}
